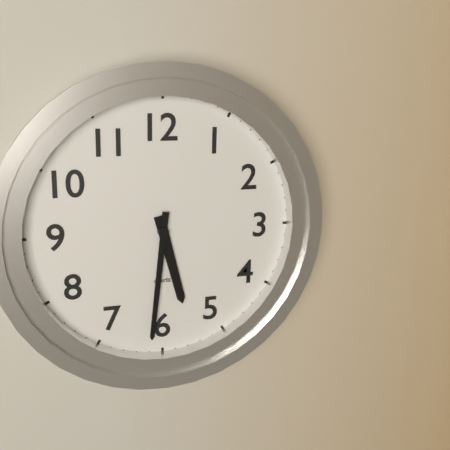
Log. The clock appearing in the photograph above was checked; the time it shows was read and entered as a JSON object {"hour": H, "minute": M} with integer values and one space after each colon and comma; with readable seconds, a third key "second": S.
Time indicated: {"hour": 5, "minute": 31}
